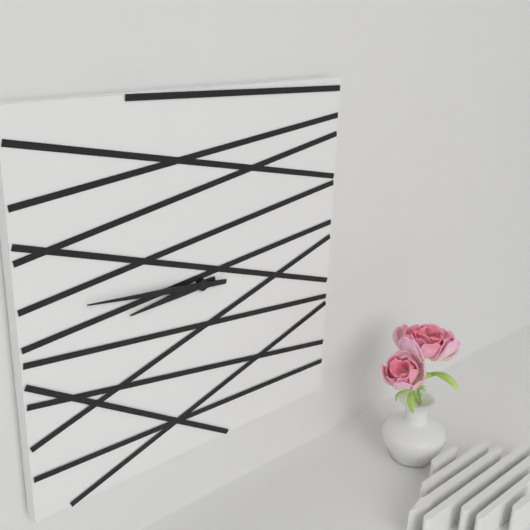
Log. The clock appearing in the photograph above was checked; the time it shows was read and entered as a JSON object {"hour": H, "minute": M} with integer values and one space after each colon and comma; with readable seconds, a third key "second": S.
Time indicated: {"hour": 8, "minute": 46}
